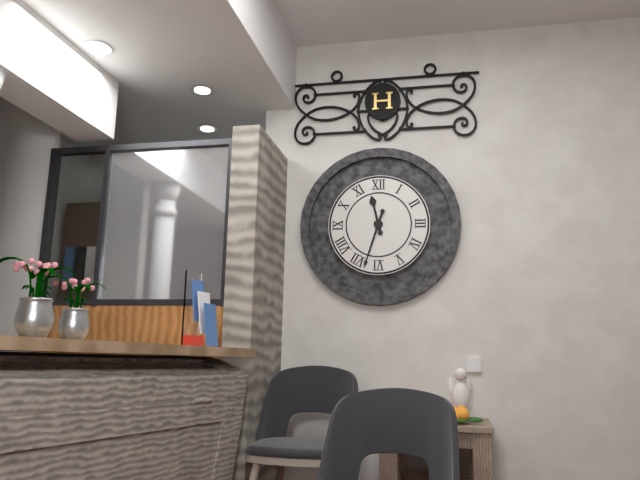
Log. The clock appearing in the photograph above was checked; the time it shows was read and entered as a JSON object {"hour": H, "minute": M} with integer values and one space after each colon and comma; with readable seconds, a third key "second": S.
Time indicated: {"hour": 11, "minute": 33}
